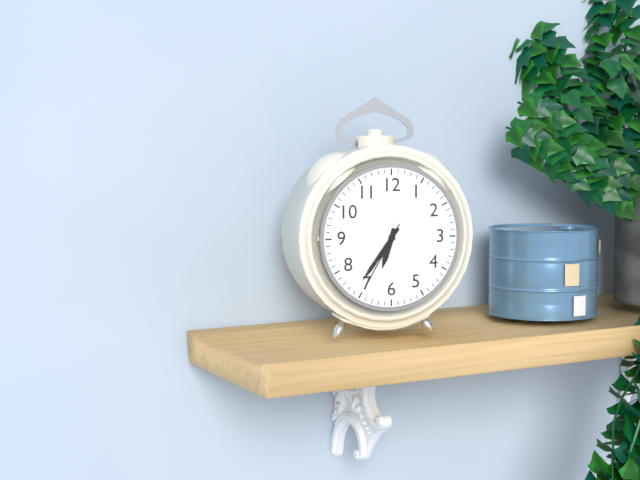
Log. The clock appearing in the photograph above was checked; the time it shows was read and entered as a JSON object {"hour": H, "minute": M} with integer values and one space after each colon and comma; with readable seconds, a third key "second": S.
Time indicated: {"hour": 6, "minute": 36, "second": 35}
